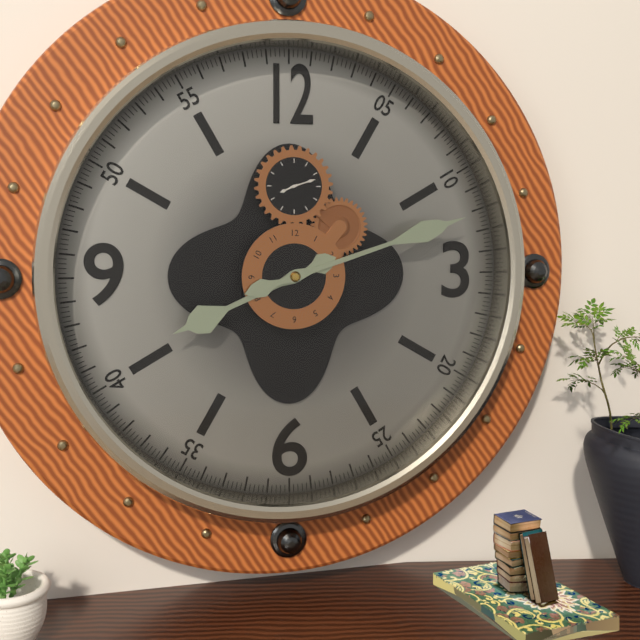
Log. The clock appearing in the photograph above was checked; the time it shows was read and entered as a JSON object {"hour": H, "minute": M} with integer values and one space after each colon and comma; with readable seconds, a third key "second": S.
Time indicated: {"hour": 8, "minute": 12}
